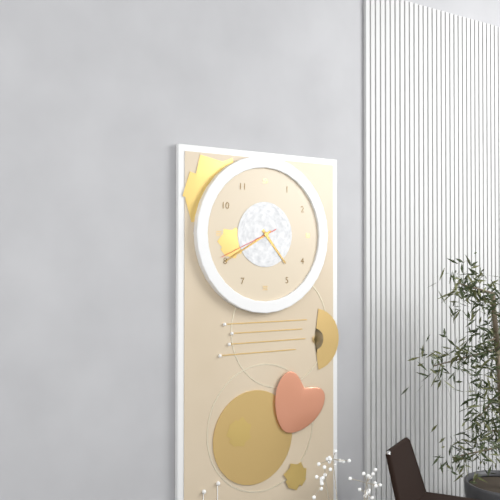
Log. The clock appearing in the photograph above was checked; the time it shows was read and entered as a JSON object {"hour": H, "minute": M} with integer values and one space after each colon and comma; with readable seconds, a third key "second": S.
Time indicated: {"hour": 4, "minute": 40, "second": 41}
